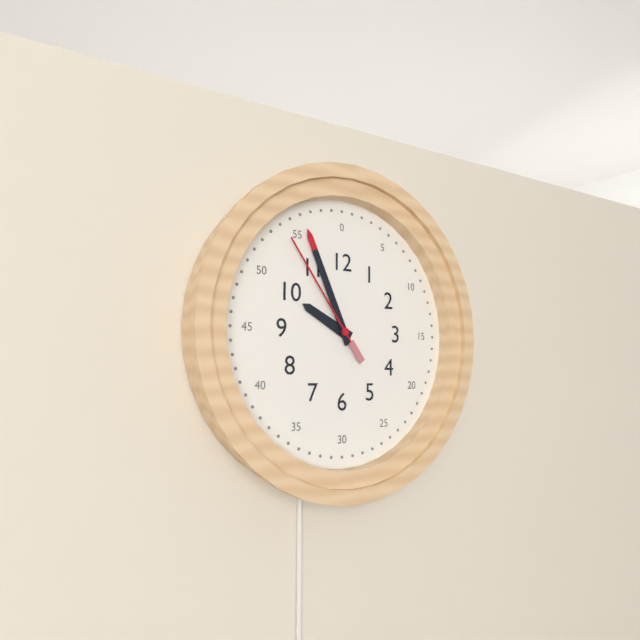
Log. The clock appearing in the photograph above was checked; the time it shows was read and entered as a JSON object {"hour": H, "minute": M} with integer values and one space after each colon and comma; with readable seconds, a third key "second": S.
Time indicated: {"hour": 9, "minute": 56, "second": 54}
